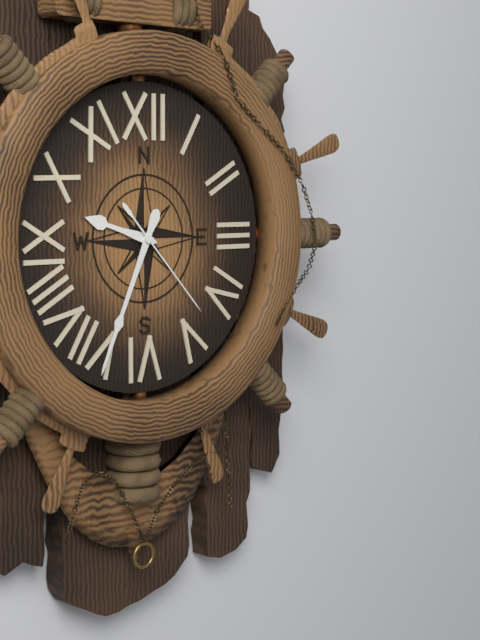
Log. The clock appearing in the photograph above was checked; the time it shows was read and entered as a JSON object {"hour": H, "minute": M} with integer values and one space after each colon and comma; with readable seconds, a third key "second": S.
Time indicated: {"hour": 9, "minute": 34, "second": 23}
